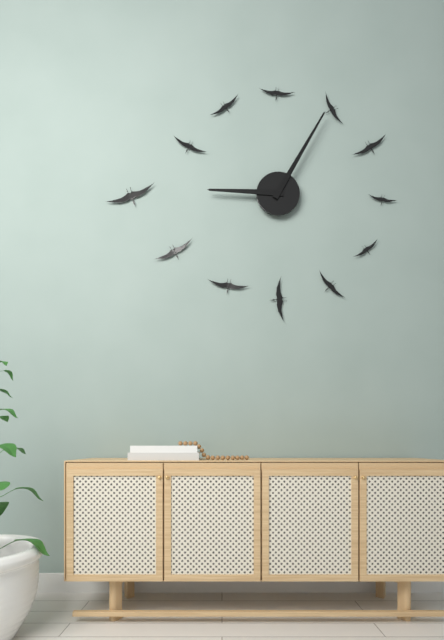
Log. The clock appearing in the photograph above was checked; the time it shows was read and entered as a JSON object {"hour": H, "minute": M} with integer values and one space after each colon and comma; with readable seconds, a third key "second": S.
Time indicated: {"hour": 9, "minute": 5}
